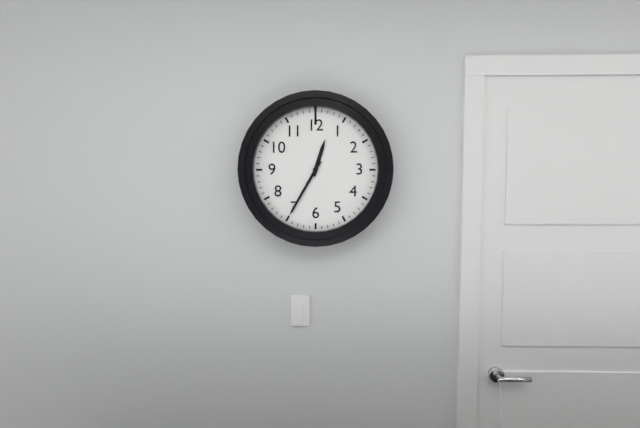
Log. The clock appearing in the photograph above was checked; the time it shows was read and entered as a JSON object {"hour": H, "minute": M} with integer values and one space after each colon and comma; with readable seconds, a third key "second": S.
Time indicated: {"hour": 12, "minute": 35}
